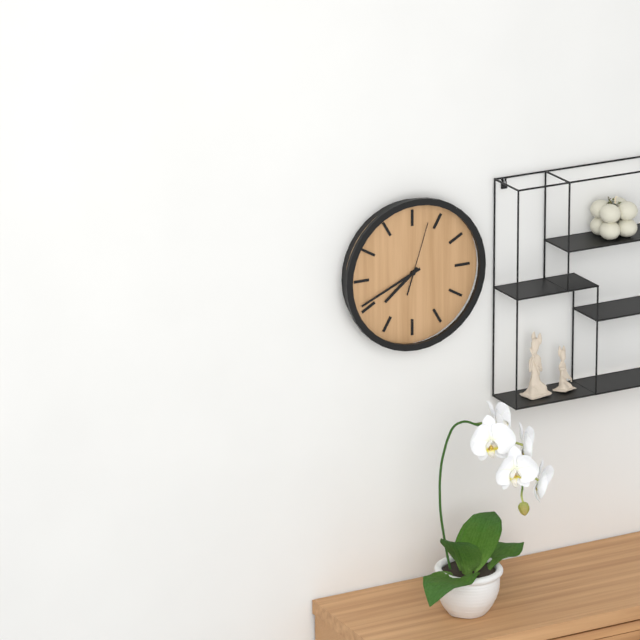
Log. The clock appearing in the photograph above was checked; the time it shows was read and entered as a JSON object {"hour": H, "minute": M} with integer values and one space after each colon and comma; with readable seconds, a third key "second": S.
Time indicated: {"hour": 7, "minute": 41, "second": 3}
